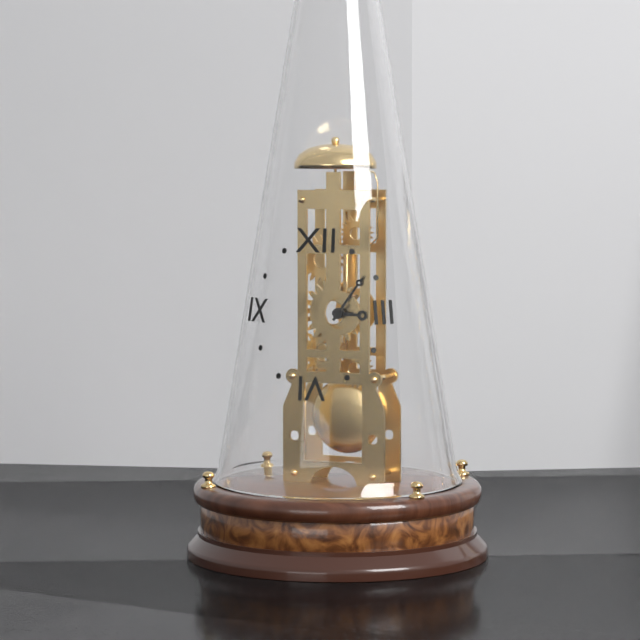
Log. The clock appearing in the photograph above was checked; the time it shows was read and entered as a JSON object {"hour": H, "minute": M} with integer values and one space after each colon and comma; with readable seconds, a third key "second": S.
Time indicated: {"hour": 3, "minute": 6}
